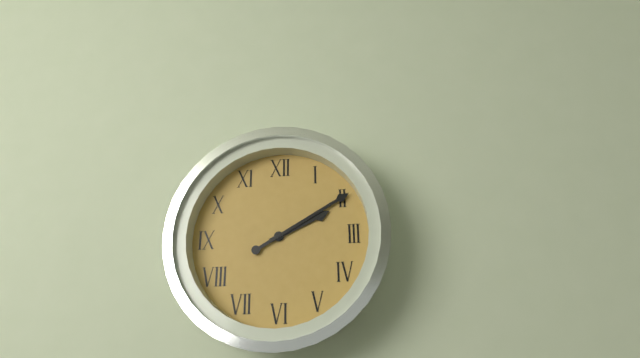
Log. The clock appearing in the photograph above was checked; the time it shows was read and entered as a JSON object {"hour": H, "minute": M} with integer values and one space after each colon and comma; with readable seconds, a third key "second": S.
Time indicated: {"hour": 2, "minute": 10}
